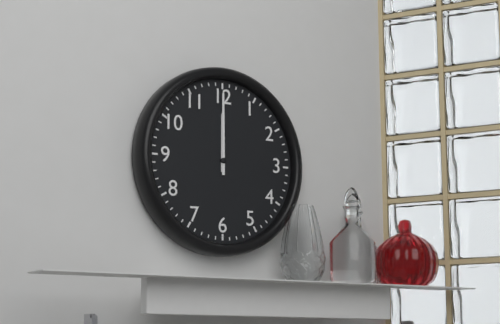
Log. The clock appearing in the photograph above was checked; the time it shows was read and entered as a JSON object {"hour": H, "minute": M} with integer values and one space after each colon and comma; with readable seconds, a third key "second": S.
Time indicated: {"hour": 12, "minute": 0}
